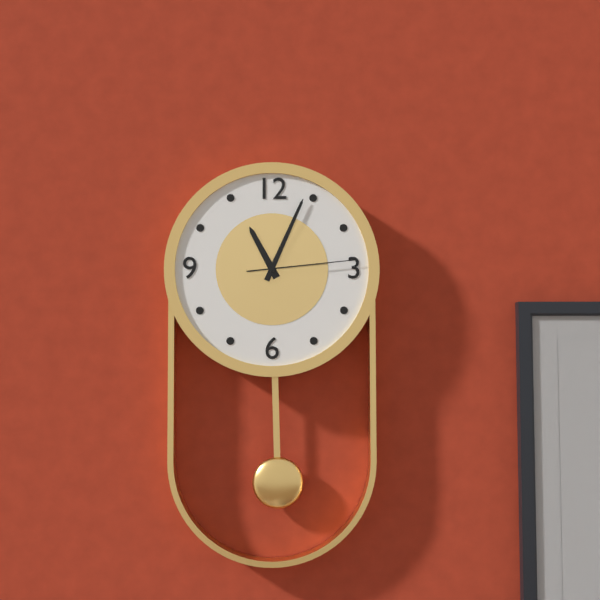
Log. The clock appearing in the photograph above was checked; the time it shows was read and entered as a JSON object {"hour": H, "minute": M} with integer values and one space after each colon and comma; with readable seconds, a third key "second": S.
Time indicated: {"hour": 11, "minute": 4, "second": 14}
